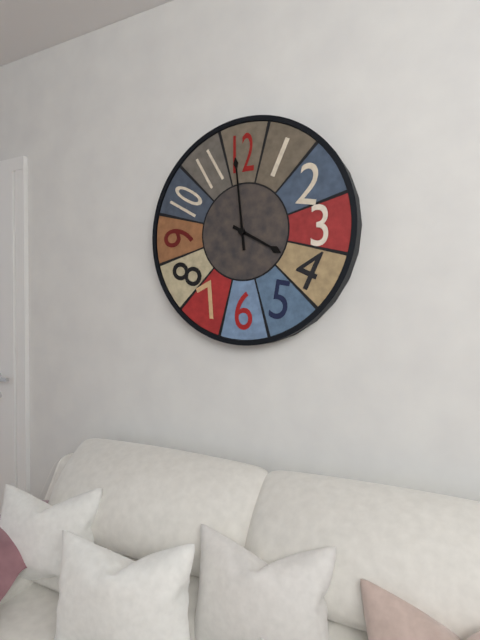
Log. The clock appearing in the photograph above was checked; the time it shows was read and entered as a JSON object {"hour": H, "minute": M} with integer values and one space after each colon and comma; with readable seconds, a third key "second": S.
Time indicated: {"hour": 3, "minute": 59}
